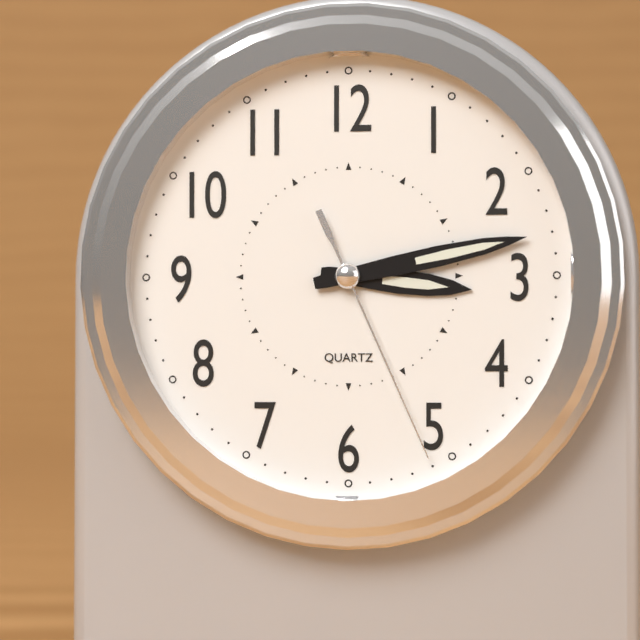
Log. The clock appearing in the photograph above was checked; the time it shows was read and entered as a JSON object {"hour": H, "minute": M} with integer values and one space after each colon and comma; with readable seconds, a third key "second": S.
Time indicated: {"hour": 3, "minute": 13, "second": 26}
